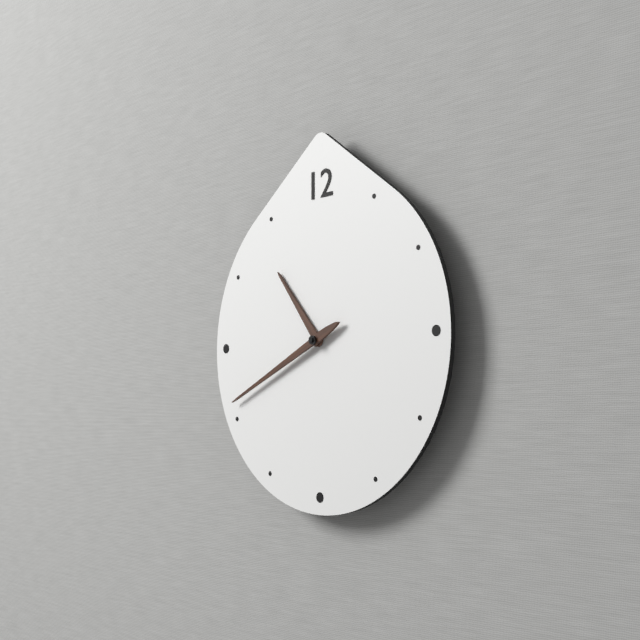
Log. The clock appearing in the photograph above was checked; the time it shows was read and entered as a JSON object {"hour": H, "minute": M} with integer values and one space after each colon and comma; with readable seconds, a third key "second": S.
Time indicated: {"hour": 10, "minute": 41}
